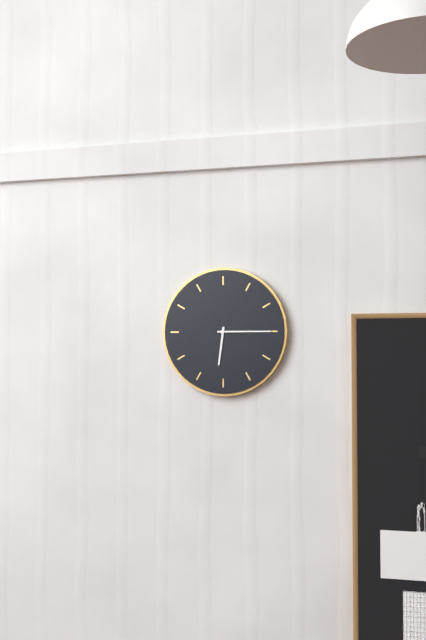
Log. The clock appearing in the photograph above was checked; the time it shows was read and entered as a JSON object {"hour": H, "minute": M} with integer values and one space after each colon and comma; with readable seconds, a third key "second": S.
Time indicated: {"hour": 6, "minute": 15}
